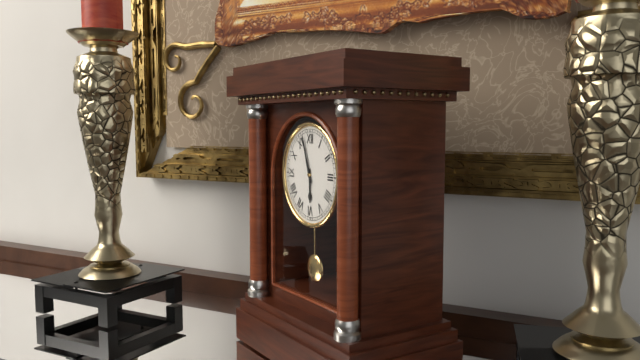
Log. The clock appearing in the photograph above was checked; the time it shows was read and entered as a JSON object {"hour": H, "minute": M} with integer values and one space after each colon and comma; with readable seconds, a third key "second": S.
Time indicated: {"hour": 5, "minute": 57}
